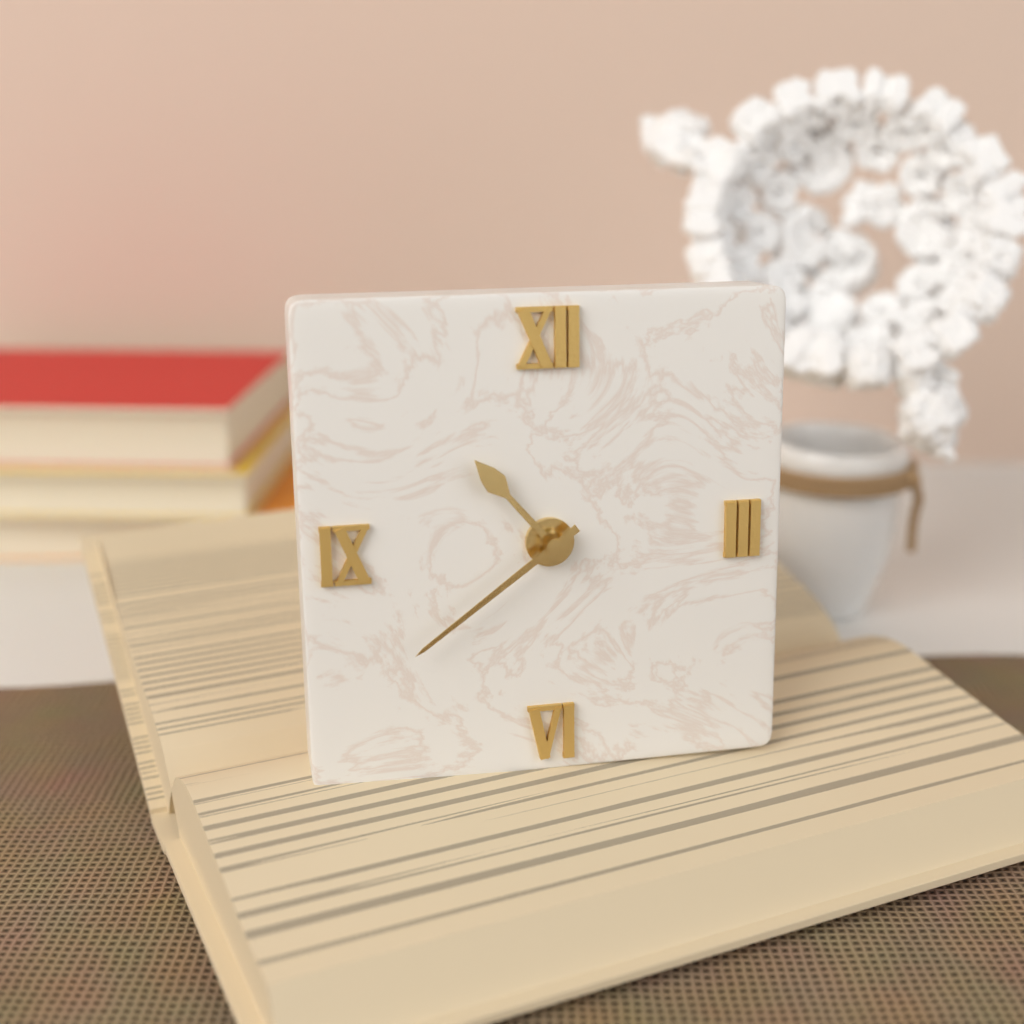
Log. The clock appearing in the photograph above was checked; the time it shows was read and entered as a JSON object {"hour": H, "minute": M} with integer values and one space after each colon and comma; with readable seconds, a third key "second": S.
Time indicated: {"hour": 10, "minute": 39}
